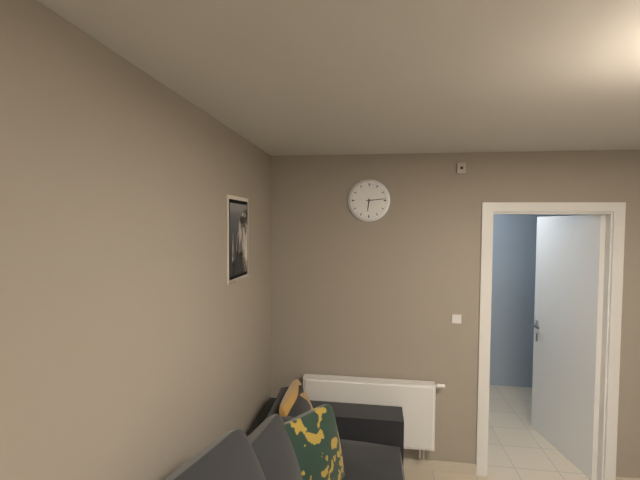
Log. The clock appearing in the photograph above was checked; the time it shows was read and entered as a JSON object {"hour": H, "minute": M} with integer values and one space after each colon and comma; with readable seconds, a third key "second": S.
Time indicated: {"hour": 6, "minute": 14}
